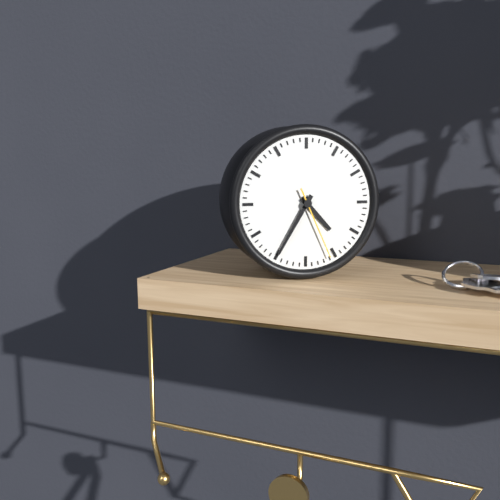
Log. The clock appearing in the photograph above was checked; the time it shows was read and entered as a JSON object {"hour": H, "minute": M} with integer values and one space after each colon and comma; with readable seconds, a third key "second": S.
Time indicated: {"hour": 4, "minute": 35, "second": 26}
